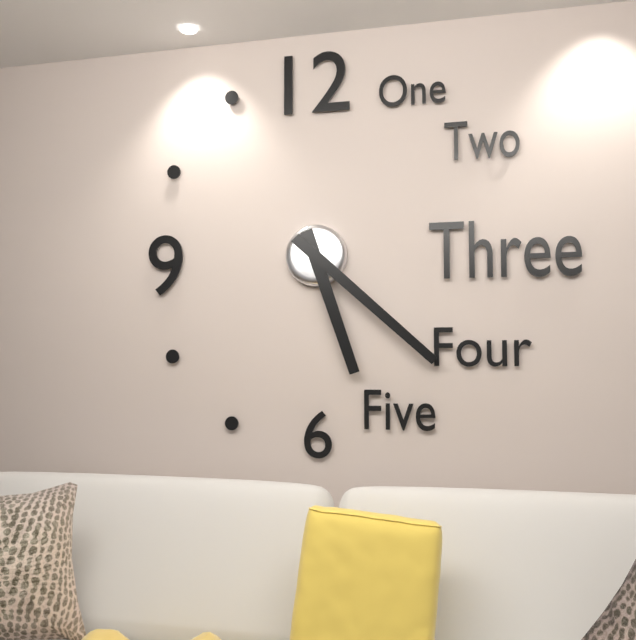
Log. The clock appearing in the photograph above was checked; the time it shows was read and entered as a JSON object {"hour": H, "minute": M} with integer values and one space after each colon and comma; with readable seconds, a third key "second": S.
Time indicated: {"hour": 5, "minute": 22}
